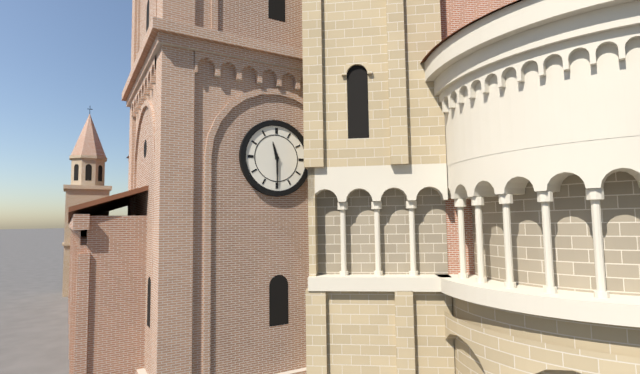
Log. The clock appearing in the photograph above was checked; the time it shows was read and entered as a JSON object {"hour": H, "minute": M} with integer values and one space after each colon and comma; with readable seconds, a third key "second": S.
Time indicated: {"hour": 11, "minute": 30}
